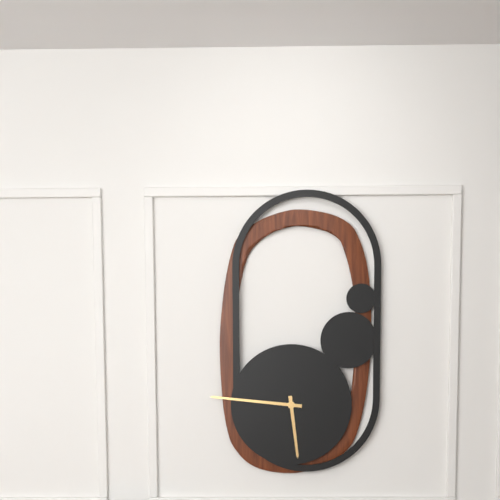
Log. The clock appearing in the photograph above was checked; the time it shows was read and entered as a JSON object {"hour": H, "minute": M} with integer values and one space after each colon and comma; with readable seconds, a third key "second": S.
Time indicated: {"hour": 5, "minute": 46}
